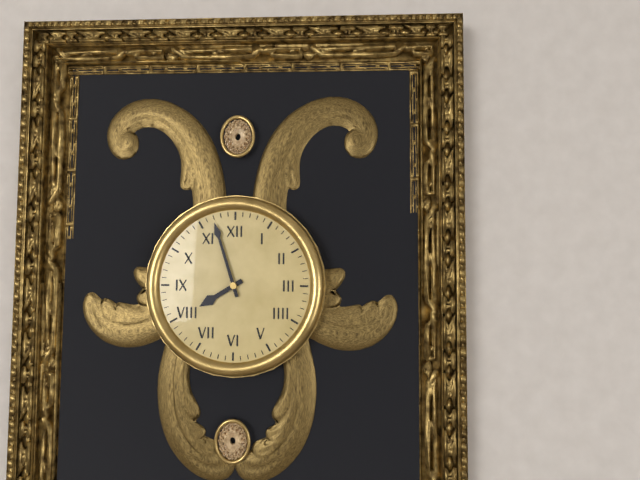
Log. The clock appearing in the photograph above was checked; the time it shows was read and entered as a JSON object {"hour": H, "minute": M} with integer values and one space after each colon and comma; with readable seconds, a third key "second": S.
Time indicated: {"hour": 7, "minute": 57}
